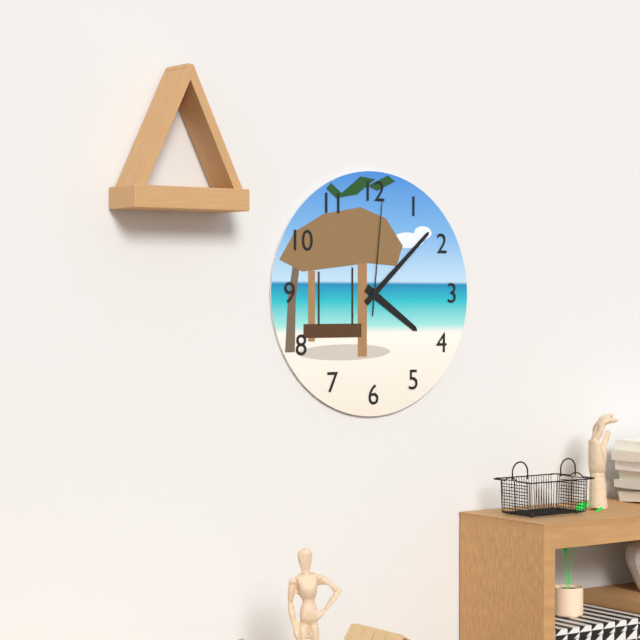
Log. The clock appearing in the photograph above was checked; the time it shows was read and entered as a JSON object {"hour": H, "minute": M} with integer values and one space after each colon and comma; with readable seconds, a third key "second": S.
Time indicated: {"hour": 4, "minute": 8, "second": 1}
